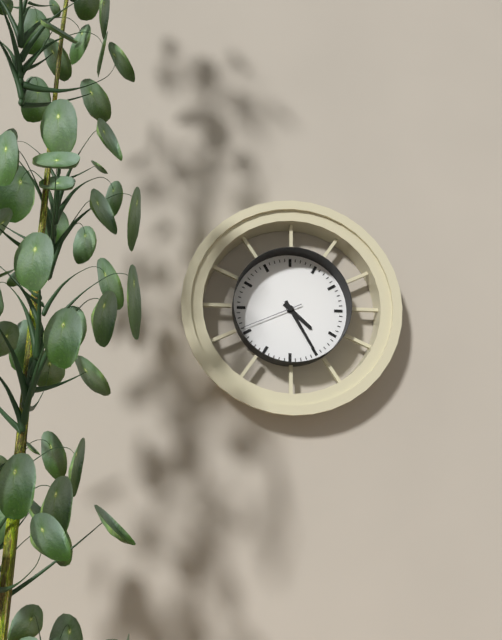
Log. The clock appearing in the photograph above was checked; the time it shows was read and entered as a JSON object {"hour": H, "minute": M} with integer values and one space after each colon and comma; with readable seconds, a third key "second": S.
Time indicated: {"hour": 4, "minute": 25, "second": 41}
